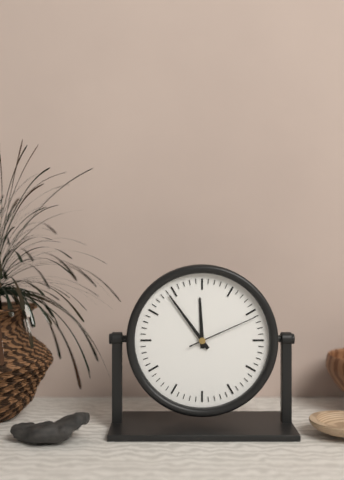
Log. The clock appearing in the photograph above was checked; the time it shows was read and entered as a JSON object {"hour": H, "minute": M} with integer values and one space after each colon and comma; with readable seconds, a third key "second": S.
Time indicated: {"hour": 11, "minute": 54, "second": 11}
